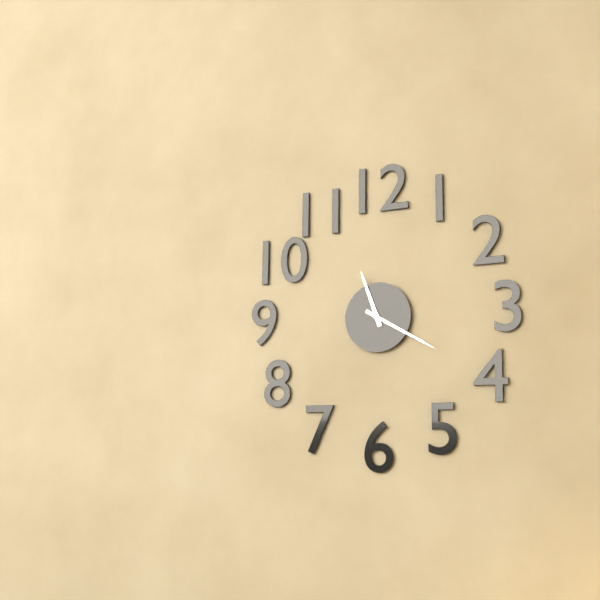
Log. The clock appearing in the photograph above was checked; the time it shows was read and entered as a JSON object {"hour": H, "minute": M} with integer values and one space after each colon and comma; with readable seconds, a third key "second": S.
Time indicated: {"hour": 11, "minute": 20}
